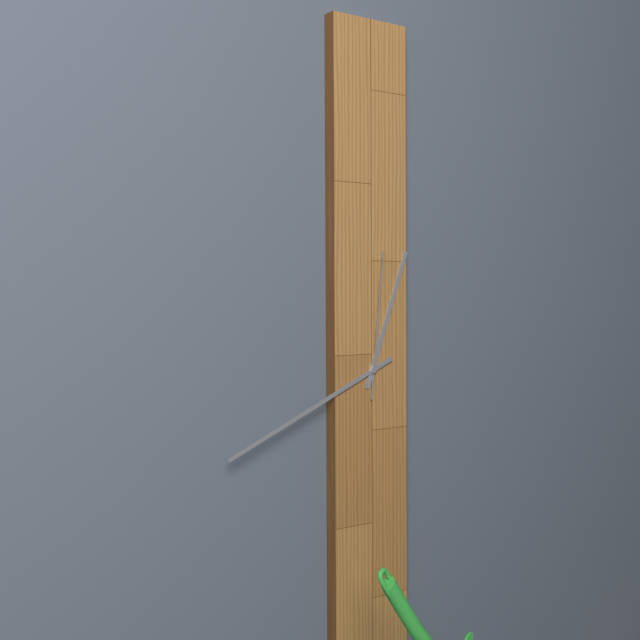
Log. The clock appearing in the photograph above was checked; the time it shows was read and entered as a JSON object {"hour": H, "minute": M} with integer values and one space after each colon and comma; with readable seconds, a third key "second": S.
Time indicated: {"hour": 12, "minute": 41, "second": 1}
